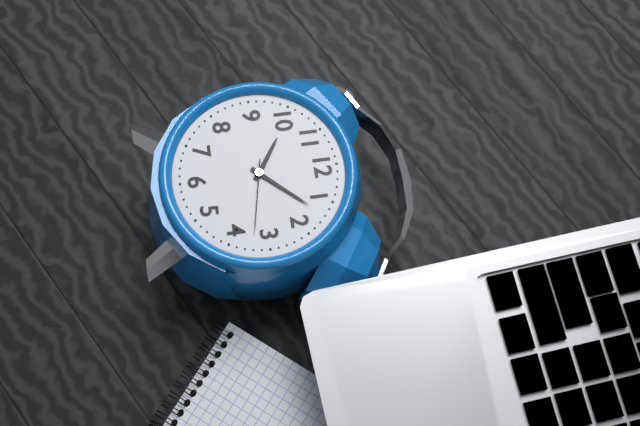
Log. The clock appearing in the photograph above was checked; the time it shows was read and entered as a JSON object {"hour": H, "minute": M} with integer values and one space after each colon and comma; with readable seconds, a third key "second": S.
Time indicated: {"hour": 10, "minute": 7, "second": 17}
